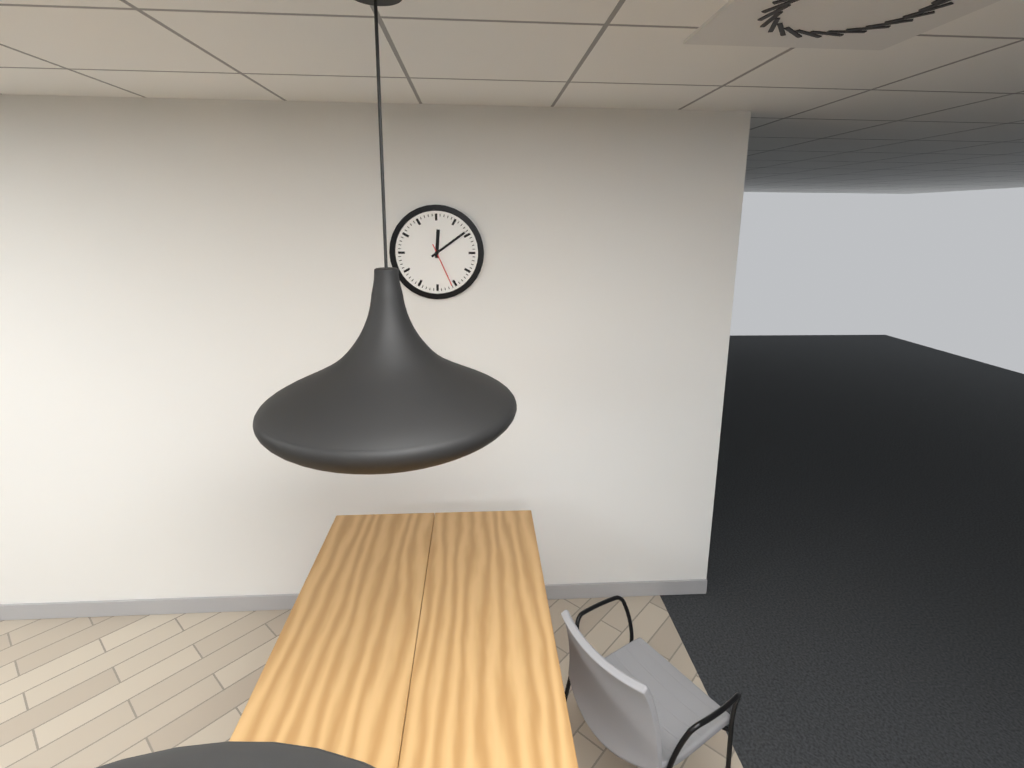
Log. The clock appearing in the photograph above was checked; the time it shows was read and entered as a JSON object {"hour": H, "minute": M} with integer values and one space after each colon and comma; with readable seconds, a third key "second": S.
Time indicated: {"hour": 12, "minute": 9}
